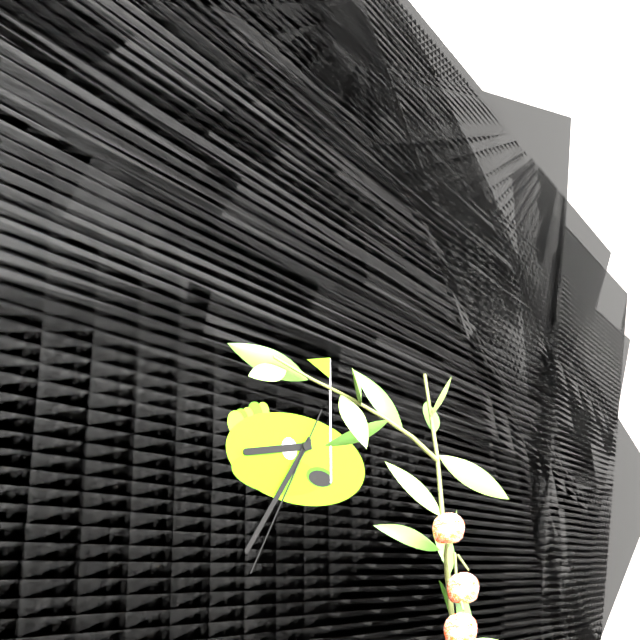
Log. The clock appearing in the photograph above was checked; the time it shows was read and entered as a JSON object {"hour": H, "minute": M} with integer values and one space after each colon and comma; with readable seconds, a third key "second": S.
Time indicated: {"hour": 8, "minute": 36, "second": 35}
